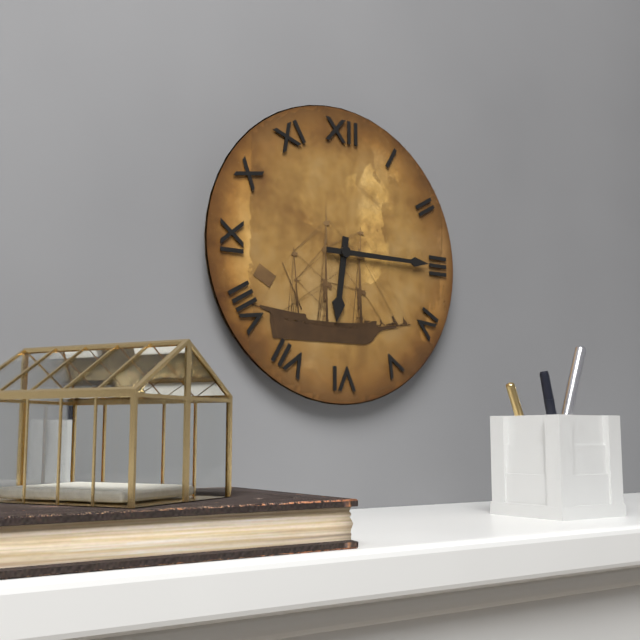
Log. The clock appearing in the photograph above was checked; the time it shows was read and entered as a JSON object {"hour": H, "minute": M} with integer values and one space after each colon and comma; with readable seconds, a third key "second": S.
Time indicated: {"hour": 6, "minute": 15}
